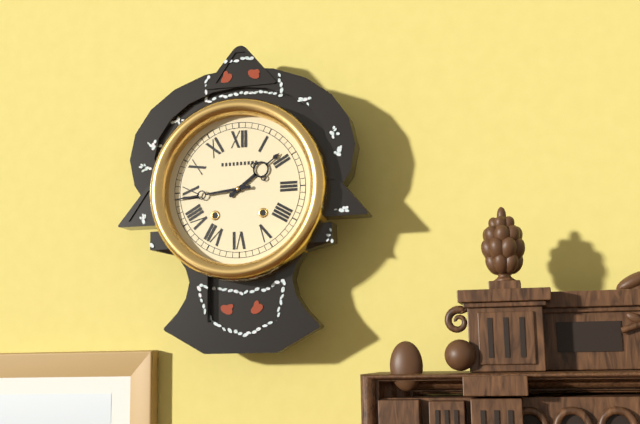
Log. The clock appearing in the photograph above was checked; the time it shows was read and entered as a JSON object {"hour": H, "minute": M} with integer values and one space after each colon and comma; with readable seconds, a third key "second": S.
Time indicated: {"hour": 1, "minute": 44}
